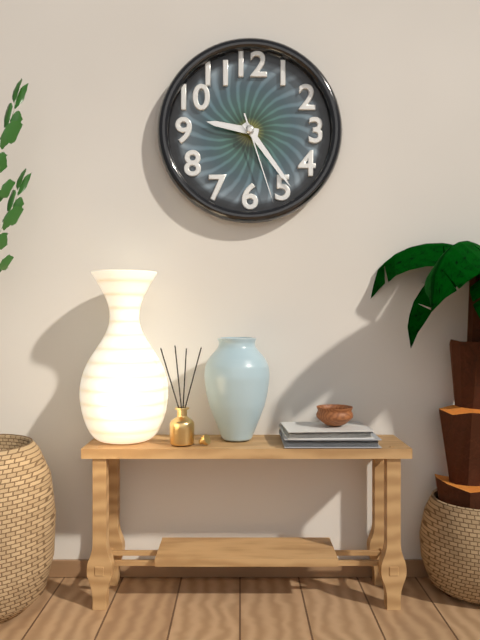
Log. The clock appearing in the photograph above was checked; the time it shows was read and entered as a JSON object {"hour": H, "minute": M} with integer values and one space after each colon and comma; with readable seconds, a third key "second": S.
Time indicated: {"hour": 9, "minute": 24, "second": 27}
